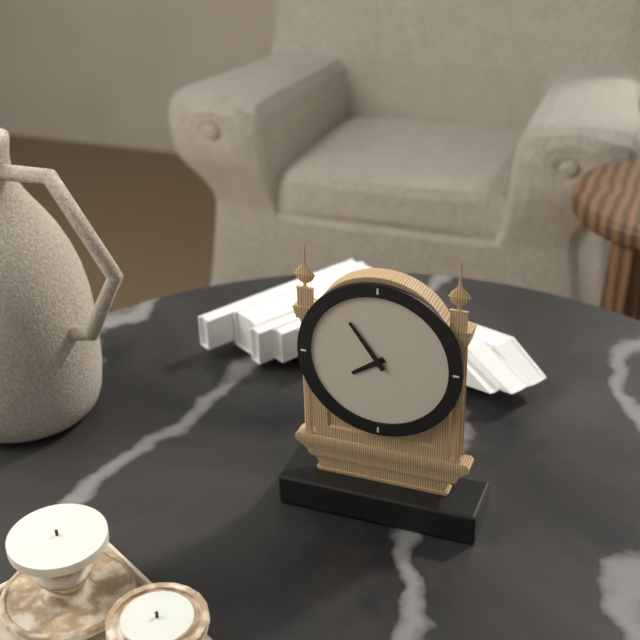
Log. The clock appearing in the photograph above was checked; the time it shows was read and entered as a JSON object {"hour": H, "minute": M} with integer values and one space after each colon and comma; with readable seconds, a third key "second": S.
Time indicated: {"hour": 7, "minute": 54}
